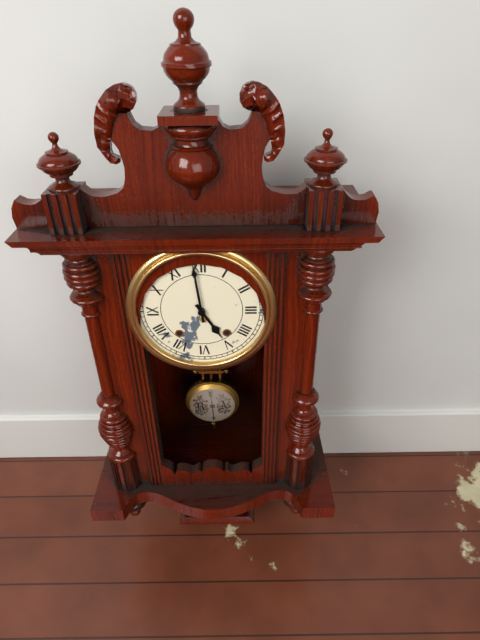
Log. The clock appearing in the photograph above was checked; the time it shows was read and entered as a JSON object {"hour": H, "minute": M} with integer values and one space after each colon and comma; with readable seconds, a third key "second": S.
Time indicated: {"hour": 4, "minute": 59}
